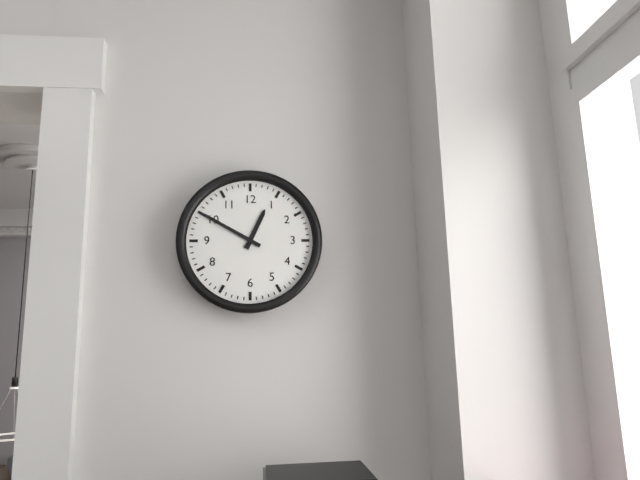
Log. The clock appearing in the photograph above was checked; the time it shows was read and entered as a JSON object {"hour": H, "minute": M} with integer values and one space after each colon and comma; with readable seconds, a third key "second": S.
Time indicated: {"hour": 12, "minute": 50}
